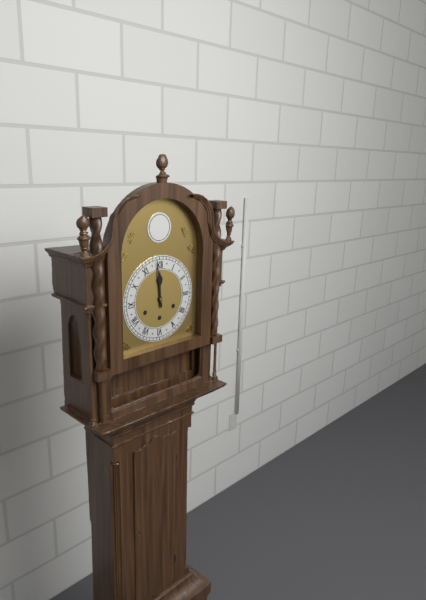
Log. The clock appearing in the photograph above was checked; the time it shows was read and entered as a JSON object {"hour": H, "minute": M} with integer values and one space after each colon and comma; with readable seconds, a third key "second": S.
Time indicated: {"hour": 11, "minute": 59}
